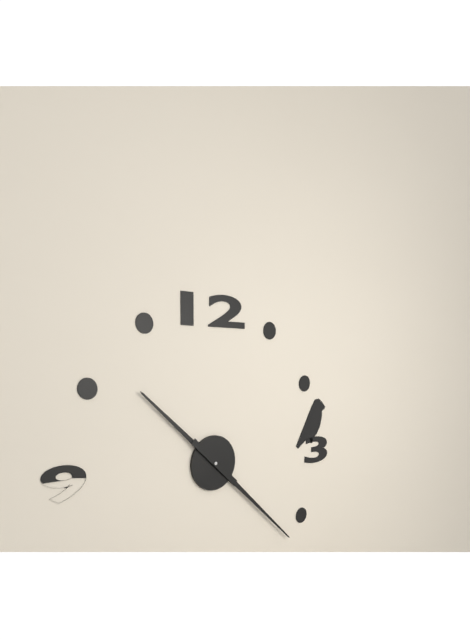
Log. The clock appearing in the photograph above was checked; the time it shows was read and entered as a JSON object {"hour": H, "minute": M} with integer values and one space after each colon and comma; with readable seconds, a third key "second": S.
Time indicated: {"hour": 10, "minute": 22}
